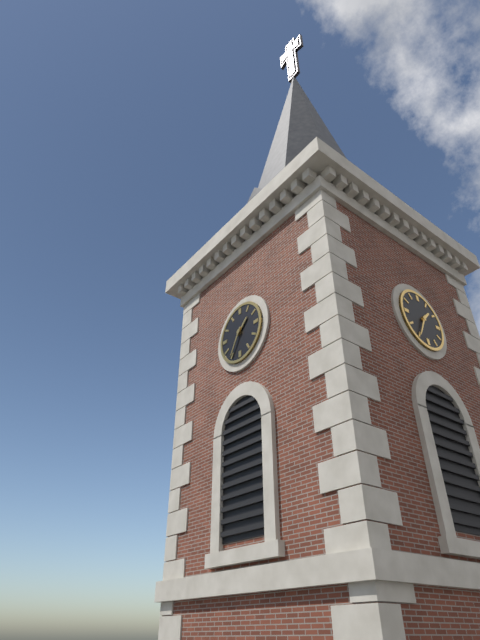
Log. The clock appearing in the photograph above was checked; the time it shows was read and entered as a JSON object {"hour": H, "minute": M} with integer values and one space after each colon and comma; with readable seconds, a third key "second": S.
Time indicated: {"hour": 1, "minute": 35}
